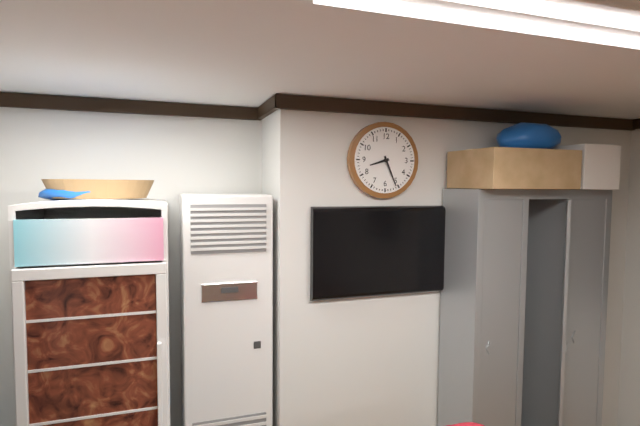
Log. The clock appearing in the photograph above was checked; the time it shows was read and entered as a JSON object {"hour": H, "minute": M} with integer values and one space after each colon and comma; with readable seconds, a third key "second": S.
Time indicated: {"hour": 8, "minute": 26}
